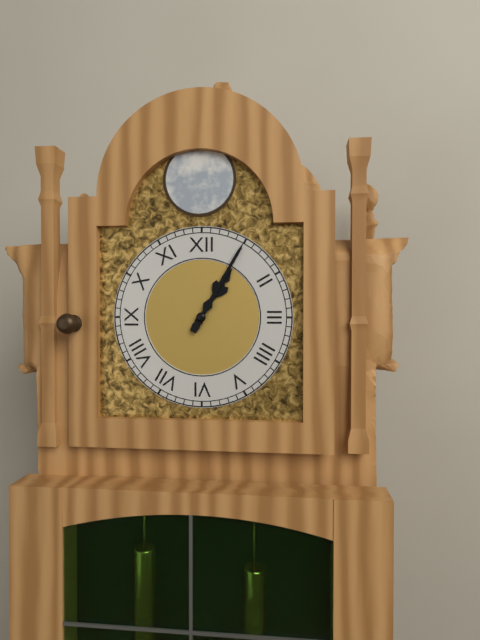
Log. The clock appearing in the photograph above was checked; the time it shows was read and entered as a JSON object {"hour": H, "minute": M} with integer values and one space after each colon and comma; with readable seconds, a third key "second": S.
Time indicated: {"hour": 1, "minute": 5}
